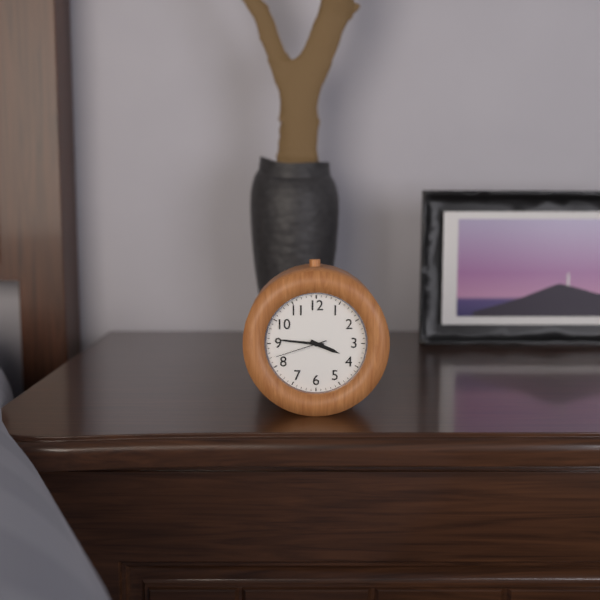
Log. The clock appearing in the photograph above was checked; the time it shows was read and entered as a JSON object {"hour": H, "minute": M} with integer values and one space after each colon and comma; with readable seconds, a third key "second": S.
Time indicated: {"hour": 3, "minute": 46, "second": 42}
